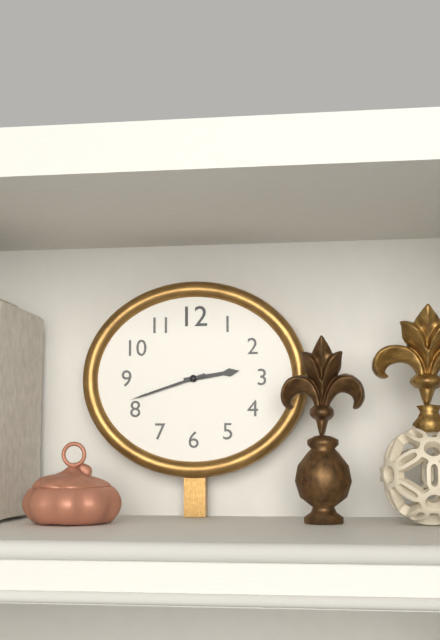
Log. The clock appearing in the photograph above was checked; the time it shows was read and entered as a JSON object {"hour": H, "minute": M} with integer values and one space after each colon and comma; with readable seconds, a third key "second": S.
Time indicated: {"hour": 2, "minute": 42}
